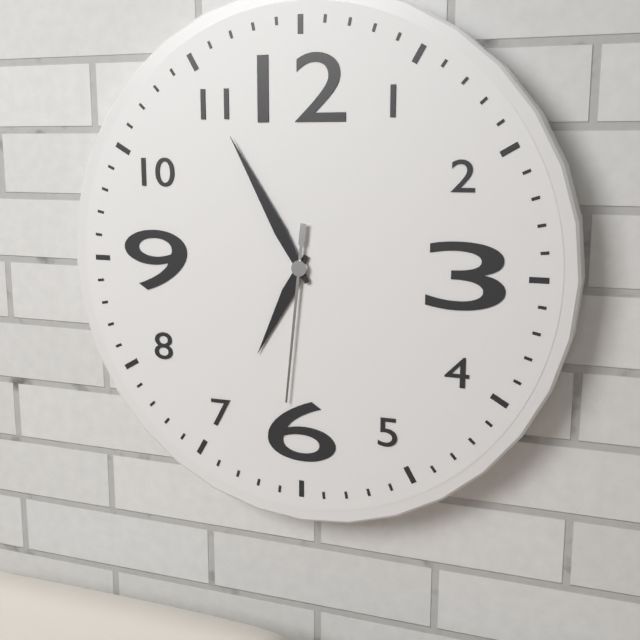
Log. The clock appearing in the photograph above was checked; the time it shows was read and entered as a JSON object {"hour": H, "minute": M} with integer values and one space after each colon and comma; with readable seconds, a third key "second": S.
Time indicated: {"hour": 6, "minute": 55, "second": 31}
